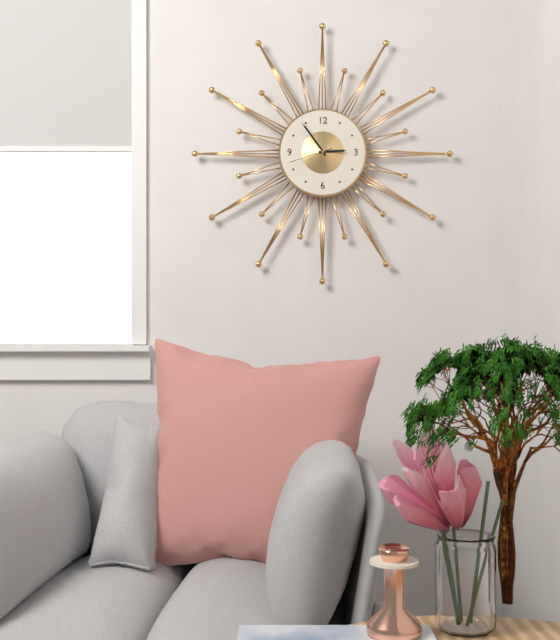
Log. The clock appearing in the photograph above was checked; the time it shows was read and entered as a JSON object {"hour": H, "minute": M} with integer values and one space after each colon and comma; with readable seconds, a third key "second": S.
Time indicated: {"hour": 2, "minute": 54}
